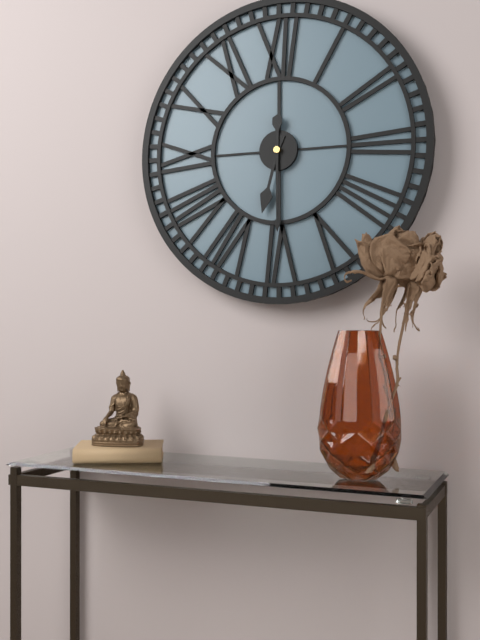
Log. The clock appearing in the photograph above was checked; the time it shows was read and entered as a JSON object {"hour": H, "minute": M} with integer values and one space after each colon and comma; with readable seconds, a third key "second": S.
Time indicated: {"hour": 6, "minute": 30}
